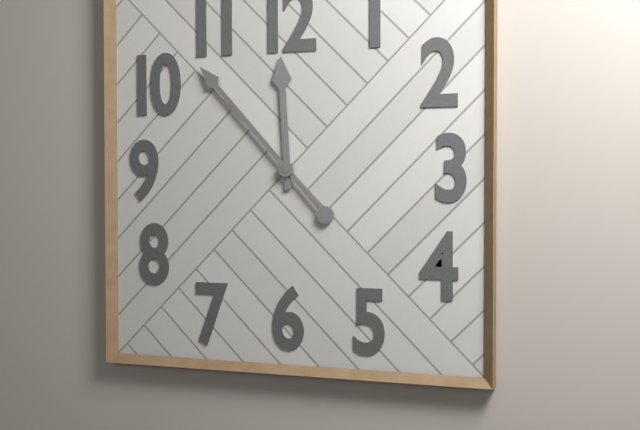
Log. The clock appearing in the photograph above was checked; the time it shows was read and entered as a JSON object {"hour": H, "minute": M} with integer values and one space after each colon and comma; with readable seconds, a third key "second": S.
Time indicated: {"hour": 11, "minute": 53}
